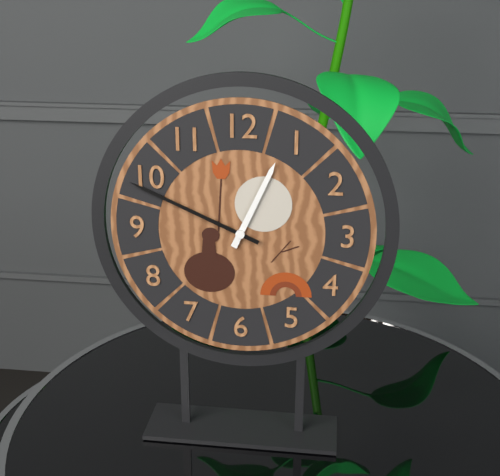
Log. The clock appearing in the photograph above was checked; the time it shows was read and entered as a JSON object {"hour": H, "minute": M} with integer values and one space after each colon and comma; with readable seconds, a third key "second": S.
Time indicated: {"hour": 12, "minute": 49}
